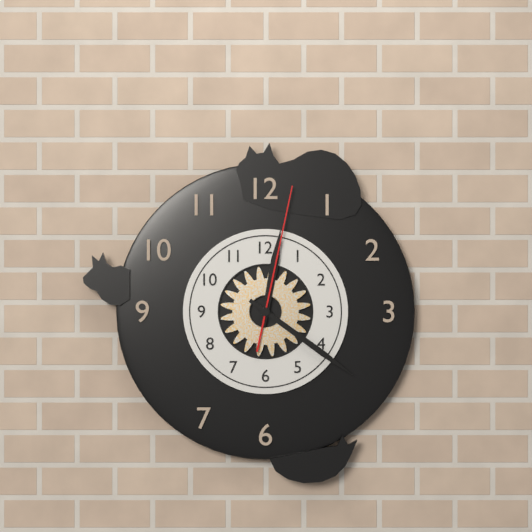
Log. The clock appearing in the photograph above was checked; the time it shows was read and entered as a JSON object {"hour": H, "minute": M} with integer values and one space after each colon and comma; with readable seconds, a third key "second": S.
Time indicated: {"hour": 12, "minute": 21, "second": 2}
